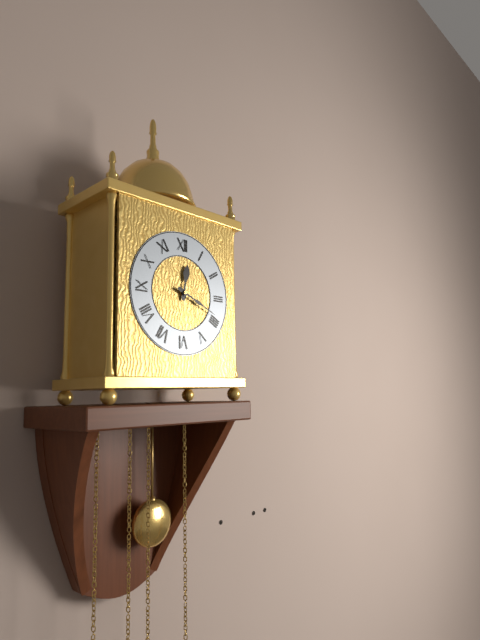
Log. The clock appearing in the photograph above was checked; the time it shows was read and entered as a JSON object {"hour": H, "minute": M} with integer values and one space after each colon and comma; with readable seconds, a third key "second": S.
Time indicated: {"hour": 12, "minute": 19}
